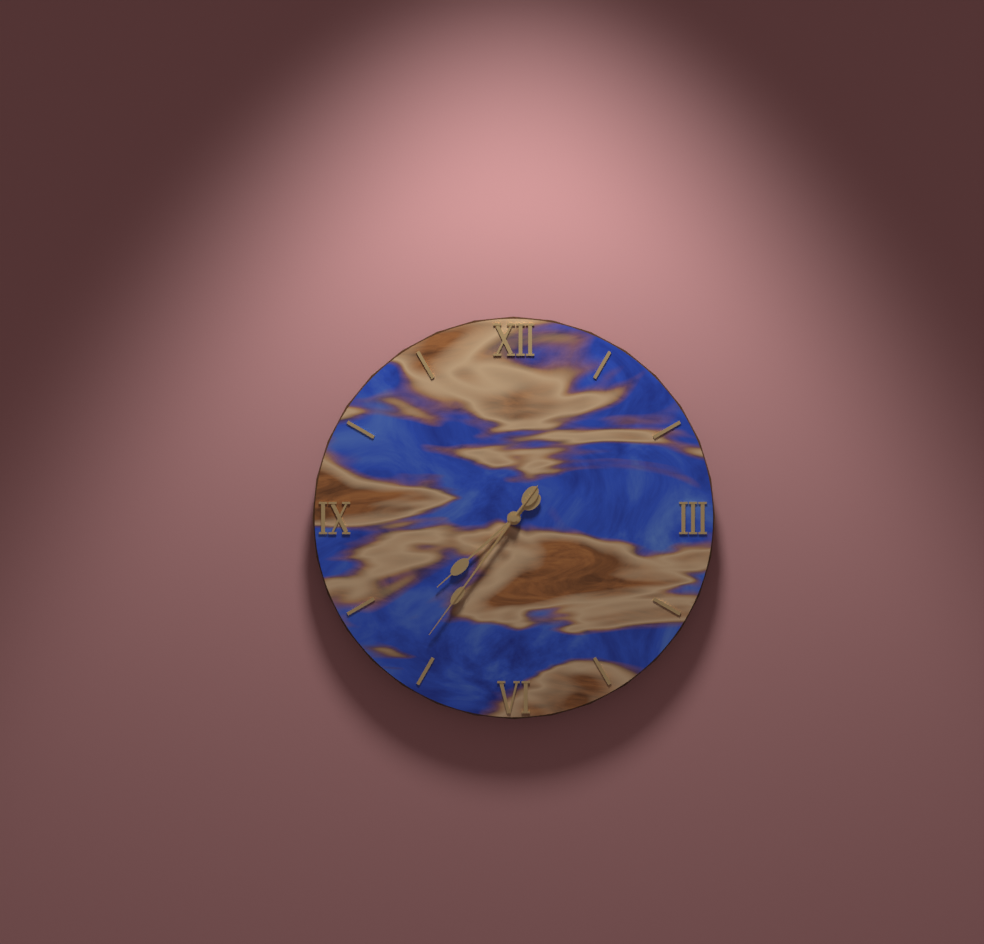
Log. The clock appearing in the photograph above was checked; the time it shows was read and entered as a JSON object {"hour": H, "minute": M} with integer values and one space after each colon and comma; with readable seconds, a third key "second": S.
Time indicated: {"hour": 7, "minute": 36, "second": 36}
